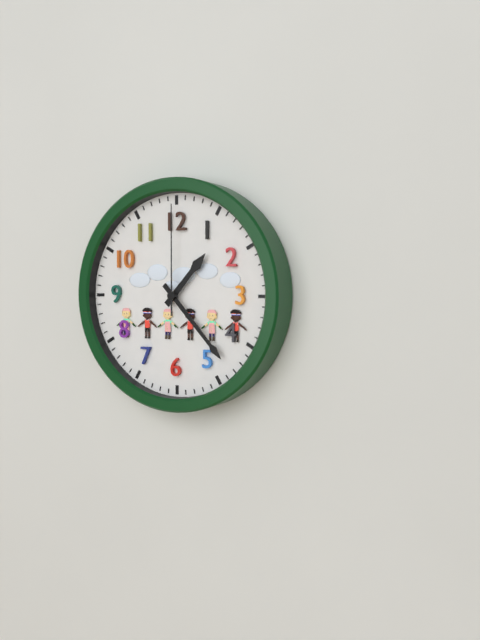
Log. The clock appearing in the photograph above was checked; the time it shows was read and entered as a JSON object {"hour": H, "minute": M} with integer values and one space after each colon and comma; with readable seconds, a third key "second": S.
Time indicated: {"hour": 1, "minute": 23, "second": 0}
